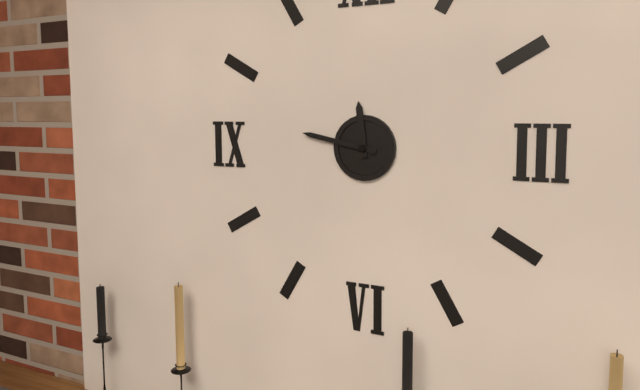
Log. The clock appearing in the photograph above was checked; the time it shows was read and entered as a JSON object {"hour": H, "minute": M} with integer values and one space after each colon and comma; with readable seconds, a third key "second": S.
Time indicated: {"hour": 11, "minute": 47}
